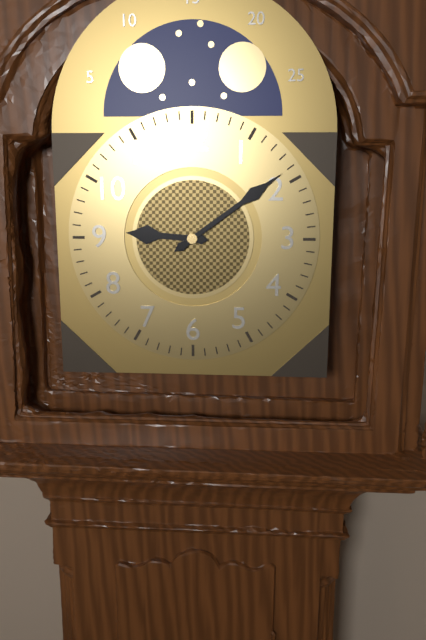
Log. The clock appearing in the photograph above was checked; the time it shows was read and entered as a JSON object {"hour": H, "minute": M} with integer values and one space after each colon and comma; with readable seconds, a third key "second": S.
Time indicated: {"hour": 9, "minute": 9}
